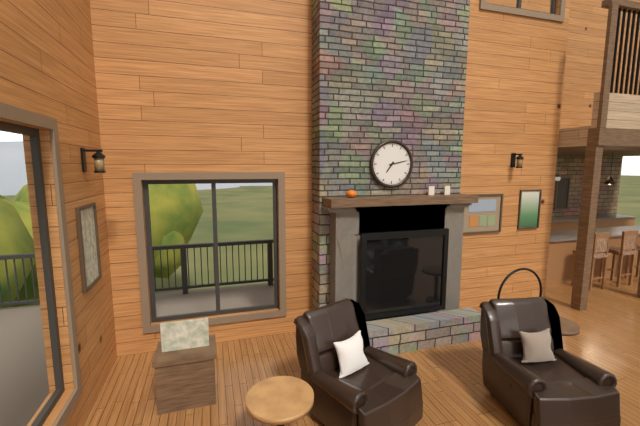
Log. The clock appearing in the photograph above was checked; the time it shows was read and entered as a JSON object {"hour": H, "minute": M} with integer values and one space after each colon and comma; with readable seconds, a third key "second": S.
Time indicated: {"hour": 7, "minute": 13}
